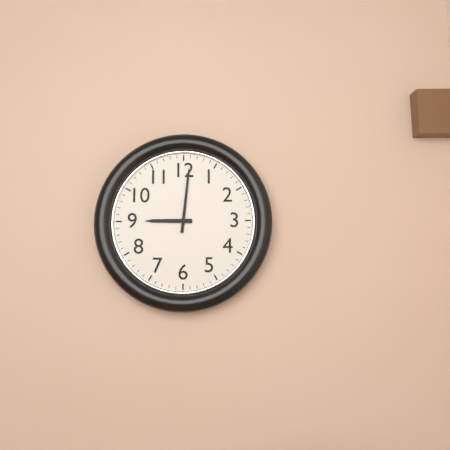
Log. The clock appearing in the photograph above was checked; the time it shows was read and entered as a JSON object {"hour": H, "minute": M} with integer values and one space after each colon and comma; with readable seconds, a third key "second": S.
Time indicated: {"hour": 9, "minute": 1}
